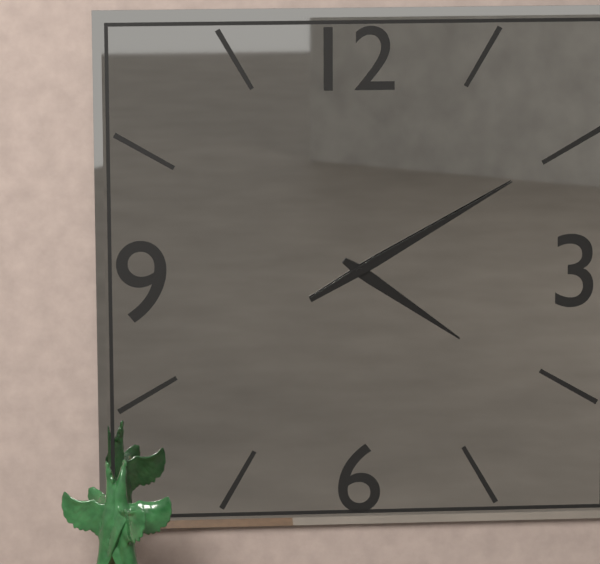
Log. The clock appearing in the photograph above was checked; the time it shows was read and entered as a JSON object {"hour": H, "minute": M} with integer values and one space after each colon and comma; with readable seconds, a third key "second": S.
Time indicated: {"hour": 4, "minute": 10}
